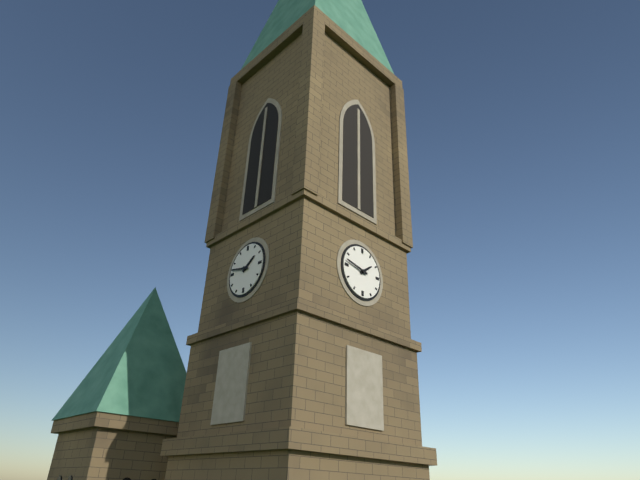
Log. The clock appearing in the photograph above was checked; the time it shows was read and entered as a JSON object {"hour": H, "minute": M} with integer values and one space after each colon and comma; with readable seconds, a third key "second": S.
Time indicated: {"hour": 1, "minute": 47}
